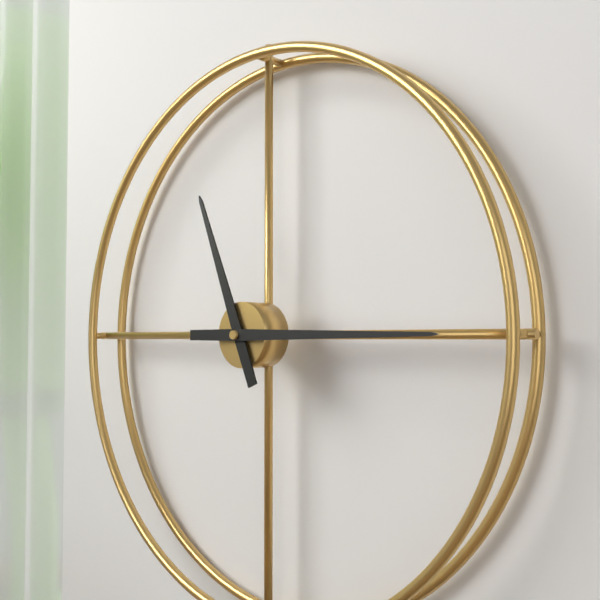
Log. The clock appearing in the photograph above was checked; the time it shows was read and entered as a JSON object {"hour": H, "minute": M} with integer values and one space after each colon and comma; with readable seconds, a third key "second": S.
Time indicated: {"hour": 11, "minute": 15}
